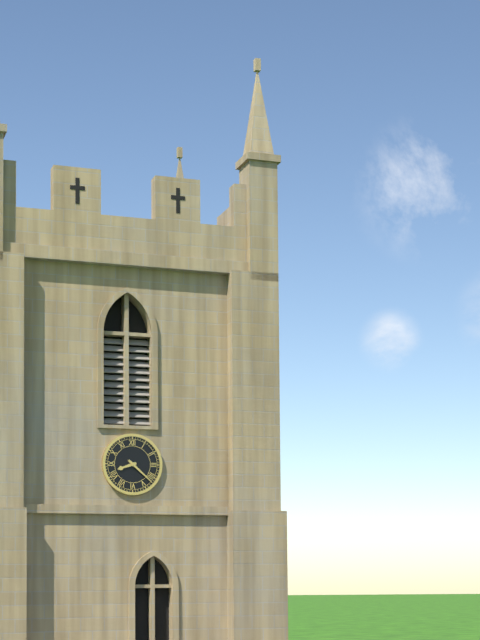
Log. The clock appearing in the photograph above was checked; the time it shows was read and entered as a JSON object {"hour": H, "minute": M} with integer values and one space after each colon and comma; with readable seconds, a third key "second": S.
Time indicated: {"hour": 8, "minute": 22}
